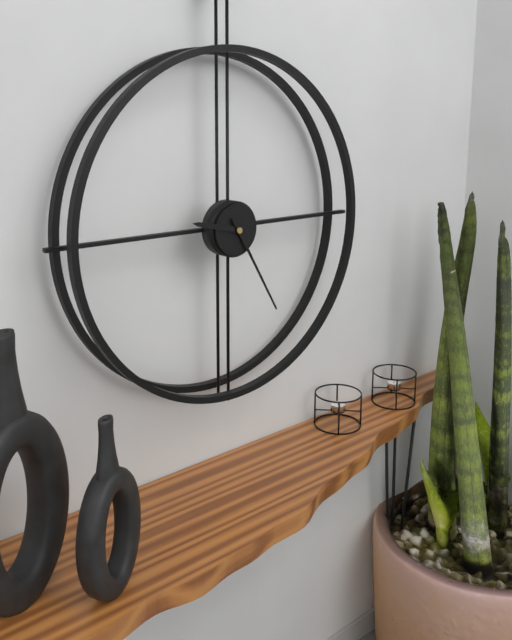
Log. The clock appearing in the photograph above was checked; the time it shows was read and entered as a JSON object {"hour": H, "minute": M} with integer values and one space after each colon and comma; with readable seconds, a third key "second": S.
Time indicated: {"hour": 9, "minute": 25}
